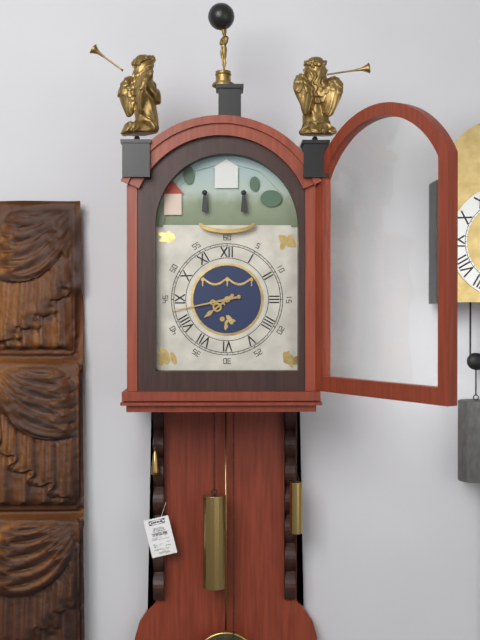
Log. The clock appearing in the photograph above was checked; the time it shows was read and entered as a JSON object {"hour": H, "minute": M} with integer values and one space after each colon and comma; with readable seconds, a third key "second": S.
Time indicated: {"hour": 7, "minute": 43}
